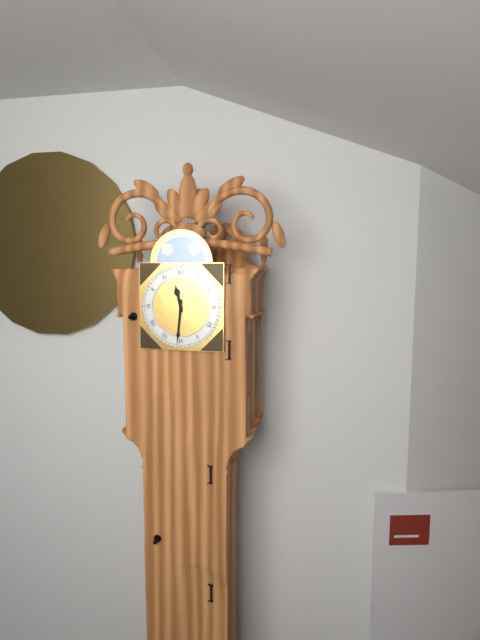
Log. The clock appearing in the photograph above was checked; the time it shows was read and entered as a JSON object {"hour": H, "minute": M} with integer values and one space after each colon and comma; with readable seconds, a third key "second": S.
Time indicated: {"hour": 11, "minute": 31}
